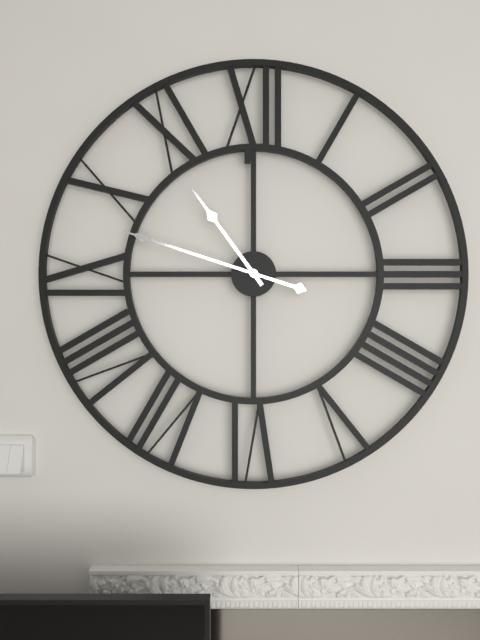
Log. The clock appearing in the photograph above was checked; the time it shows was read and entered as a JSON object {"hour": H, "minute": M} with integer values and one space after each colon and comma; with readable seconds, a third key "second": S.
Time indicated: {"hour": 10, "minute": 48}
